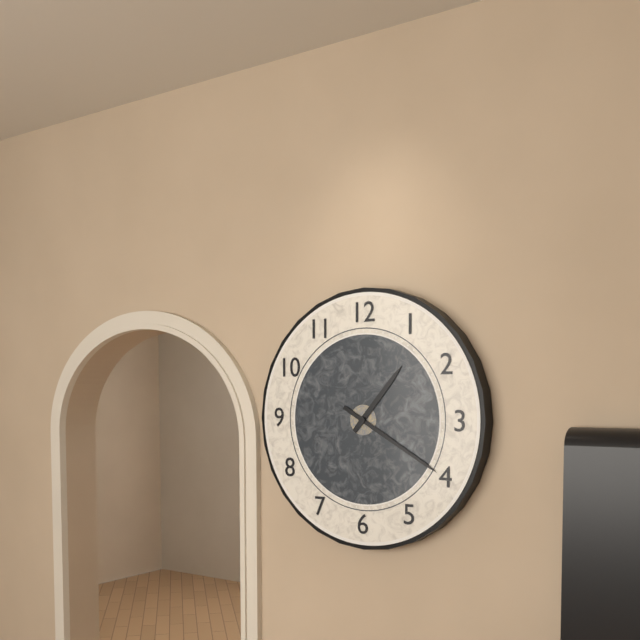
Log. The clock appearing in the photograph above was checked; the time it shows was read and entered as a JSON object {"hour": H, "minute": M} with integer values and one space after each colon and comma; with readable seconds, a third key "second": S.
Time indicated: {"hour": 1, "minute": 20}
